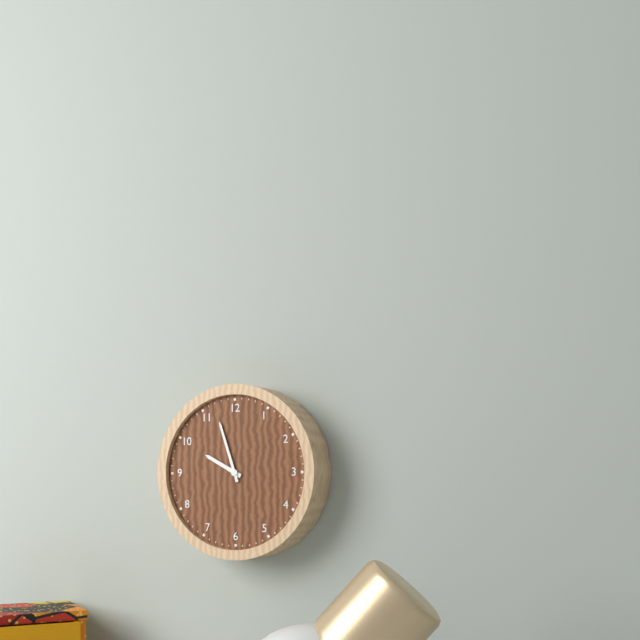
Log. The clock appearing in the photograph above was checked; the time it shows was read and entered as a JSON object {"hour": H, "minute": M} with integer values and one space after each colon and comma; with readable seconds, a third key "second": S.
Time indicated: {"hour": 9, "minute": 57}
